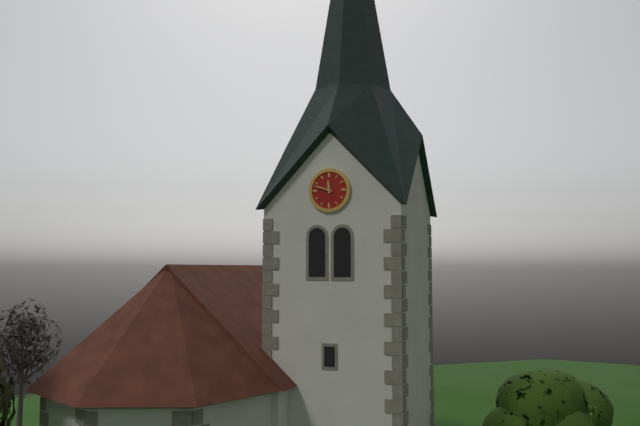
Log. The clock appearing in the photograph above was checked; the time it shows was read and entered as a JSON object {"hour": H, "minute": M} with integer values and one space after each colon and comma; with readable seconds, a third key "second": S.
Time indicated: {"hour": 11, "minute": 48}
